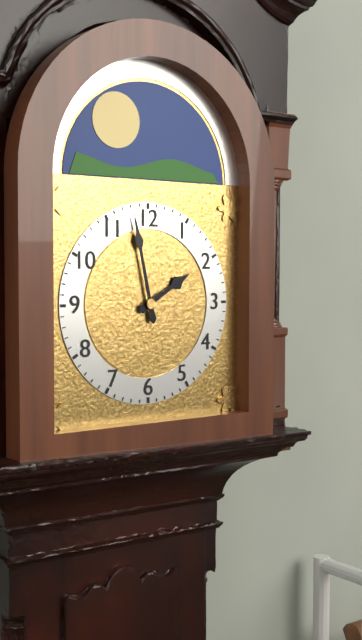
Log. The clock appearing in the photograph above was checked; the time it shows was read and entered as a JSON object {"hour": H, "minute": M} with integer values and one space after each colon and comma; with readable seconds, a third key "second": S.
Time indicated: {"hour": 1, "minute": 58}
